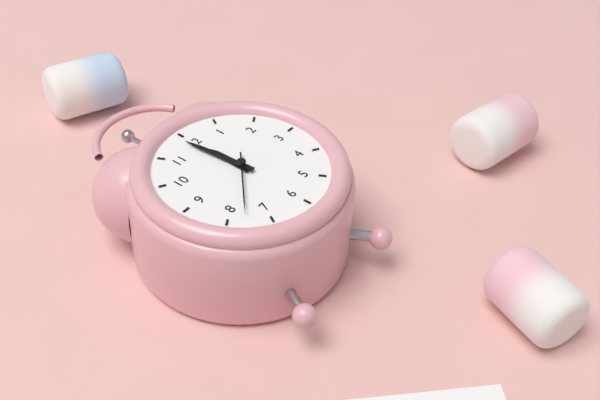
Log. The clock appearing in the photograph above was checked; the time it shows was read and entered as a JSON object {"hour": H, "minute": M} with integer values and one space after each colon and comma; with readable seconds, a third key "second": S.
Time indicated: {"hour": 11, "minute": 59, "second": 38}
